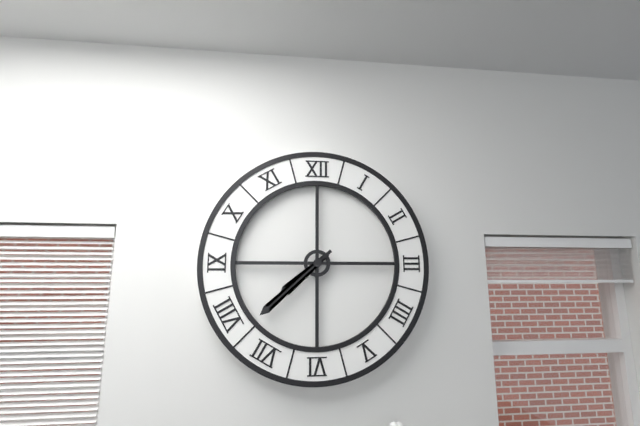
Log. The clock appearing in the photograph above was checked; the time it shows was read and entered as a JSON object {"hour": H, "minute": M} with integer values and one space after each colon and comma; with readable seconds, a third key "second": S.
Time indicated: {"hour": 7, "minute": 38}
